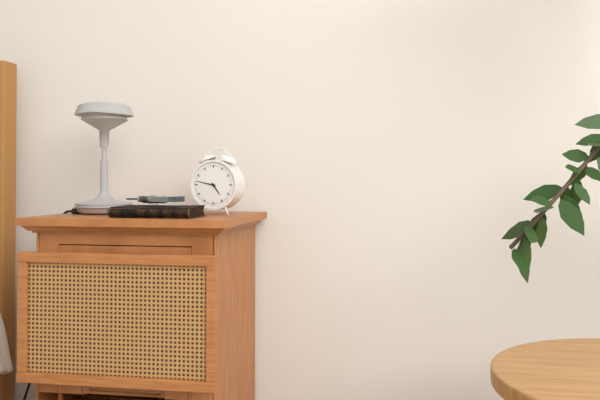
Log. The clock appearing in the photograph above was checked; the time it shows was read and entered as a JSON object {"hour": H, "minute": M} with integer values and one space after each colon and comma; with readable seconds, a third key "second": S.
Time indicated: {"hour": 4, "minute": 47}
